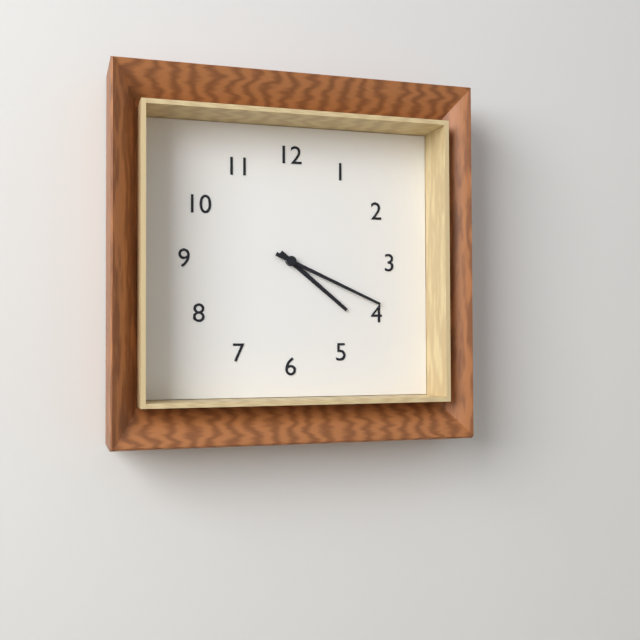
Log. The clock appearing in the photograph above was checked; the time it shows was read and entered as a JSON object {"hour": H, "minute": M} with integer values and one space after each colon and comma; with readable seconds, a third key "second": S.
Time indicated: {"hour": 4, "minute": 19}
